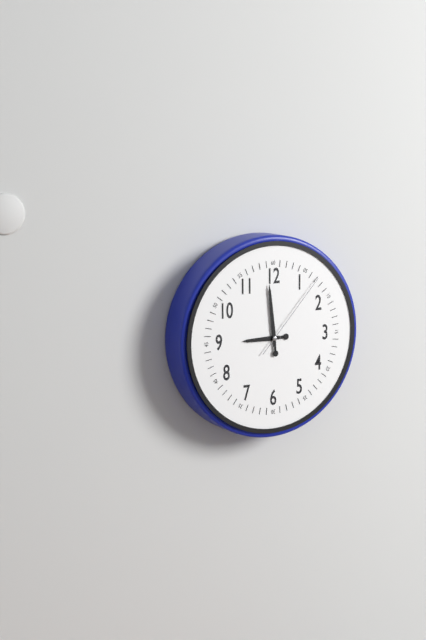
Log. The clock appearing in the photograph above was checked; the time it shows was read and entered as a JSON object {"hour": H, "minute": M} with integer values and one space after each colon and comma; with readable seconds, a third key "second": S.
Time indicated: {"hour": 8, "minute": 59, "second": 7}
